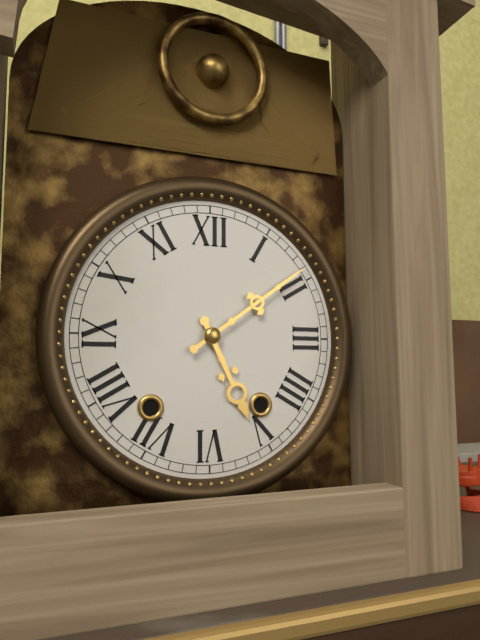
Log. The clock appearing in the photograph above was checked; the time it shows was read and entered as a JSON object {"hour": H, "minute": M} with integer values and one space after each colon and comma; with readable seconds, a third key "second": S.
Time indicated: {"hour": 5, "minute": 9}
